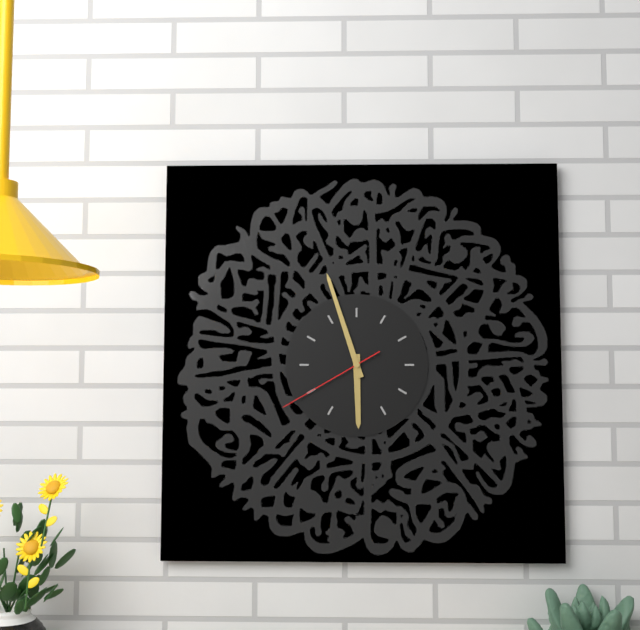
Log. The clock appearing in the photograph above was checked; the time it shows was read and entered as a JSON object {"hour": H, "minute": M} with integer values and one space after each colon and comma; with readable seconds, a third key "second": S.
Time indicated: {"hour": 5, "minute": 57, "second": 40}
